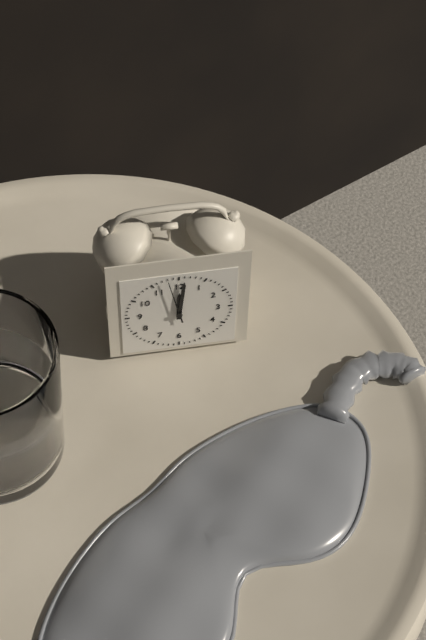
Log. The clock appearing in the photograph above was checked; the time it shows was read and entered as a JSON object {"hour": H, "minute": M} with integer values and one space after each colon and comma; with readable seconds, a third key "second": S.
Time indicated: {"hour": 12, "minute": 1}
